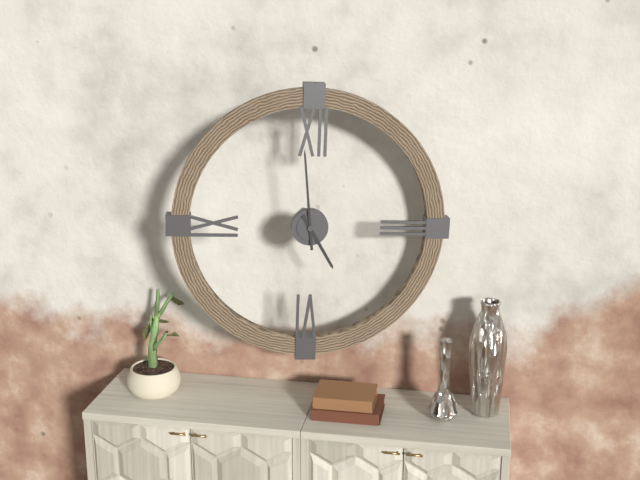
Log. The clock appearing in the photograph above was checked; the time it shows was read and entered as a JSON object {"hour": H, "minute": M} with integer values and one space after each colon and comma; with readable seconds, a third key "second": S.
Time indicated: {"hour": 4, "minute": 59}
